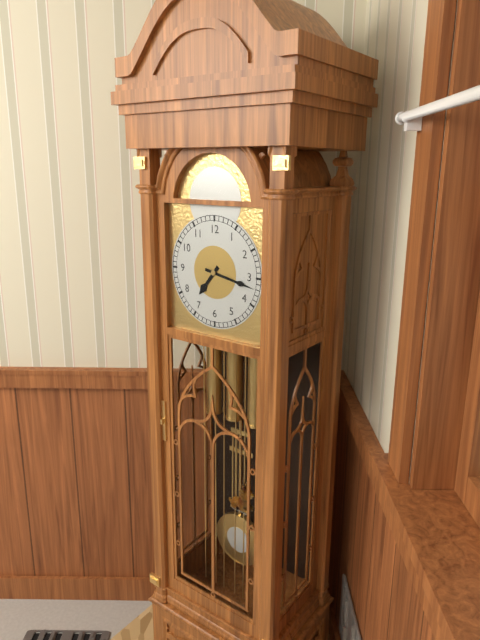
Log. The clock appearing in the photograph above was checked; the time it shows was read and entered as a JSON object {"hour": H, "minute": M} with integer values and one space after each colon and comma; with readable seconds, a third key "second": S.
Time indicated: {"hour": 7, "minute": 17}
